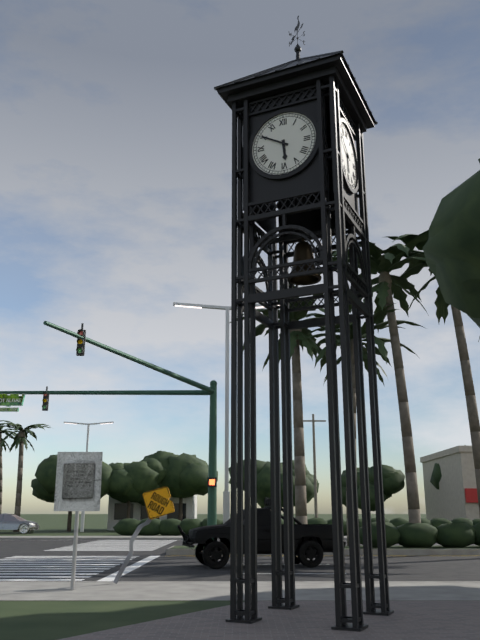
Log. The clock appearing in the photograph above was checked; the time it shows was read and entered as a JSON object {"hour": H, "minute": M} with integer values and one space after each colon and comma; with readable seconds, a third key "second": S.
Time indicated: {"hour": 5, "minute": 50}
